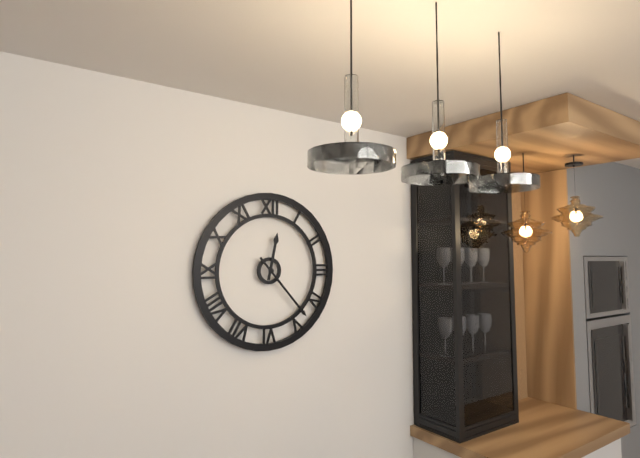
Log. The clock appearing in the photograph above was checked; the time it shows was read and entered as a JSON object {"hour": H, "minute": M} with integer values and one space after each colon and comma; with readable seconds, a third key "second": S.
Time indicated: {"hour": 12, "minute": 23}
